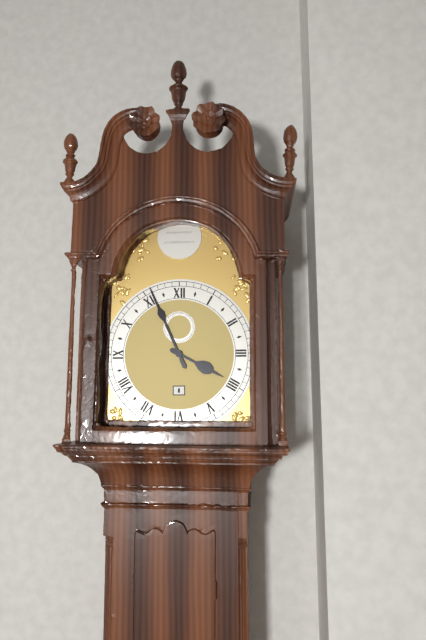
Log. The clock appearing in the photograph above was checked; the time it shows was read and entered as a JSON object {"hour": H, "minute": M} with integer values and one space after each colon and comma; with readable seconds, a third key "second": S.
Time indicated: {"hour": 3, "minute": 56}
